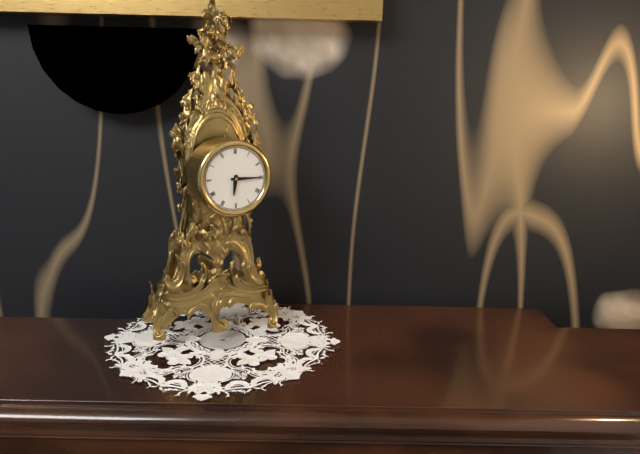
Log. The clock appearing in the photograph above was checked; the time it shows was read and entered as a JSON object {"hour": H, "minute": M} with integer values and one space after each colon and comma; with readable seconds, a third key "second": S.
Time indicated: {"hour": 6, "minute": 15}
